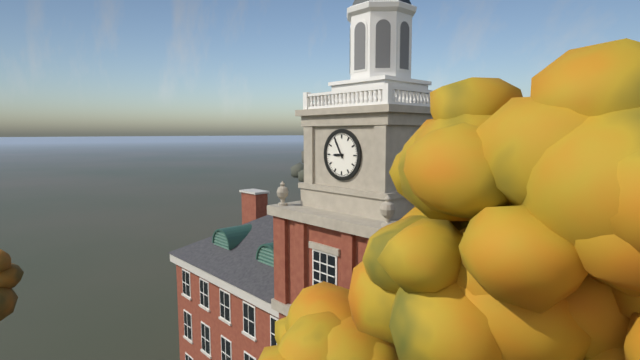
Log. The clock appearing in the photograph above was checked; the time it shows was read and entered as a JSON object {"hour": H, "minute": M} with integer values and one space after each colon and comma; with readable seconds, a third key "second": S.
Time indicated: {"hour": 8, "minute": 55}
